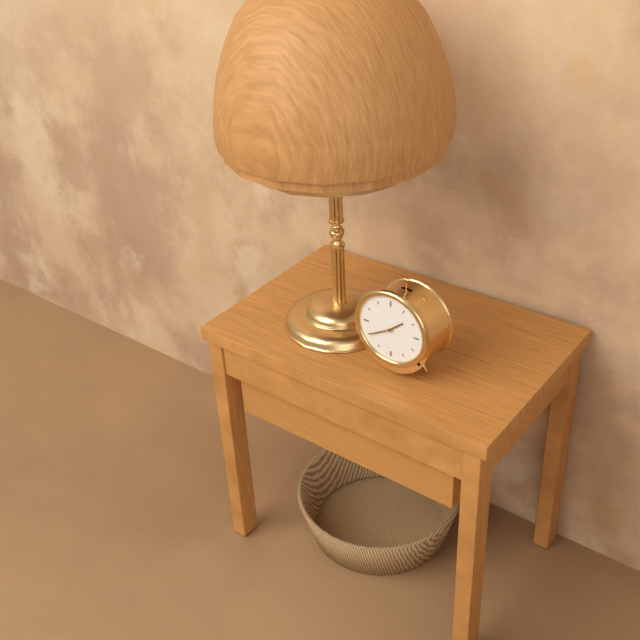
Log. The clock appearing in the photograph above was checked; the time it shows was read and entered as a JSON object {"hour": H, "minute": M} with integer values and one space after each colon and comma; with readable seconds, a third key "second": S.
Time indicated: {"hour": 1, "minute": 40}
